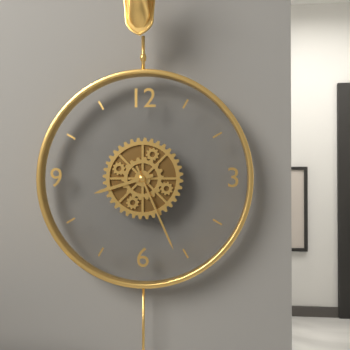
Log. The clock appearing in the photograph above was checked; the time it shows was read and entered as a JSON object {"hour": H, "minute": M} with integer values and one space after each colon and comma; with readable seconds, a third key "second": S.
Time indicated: {"hour": 8, "minute": 26}
